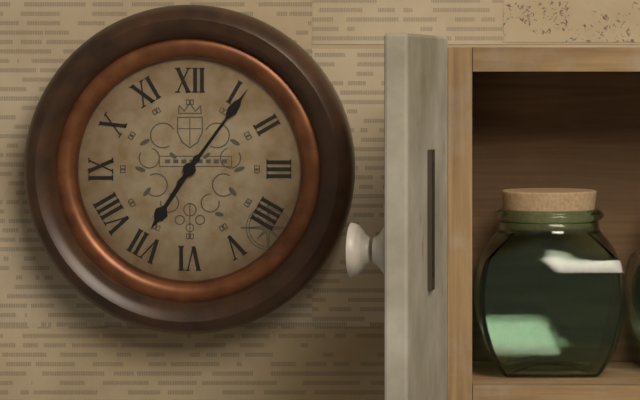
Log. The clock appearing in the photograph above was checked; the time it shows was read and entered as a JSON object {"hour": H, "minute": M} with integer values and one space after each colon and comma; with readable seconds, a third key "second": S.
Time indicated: {"hour": 7, "minute": 6}
